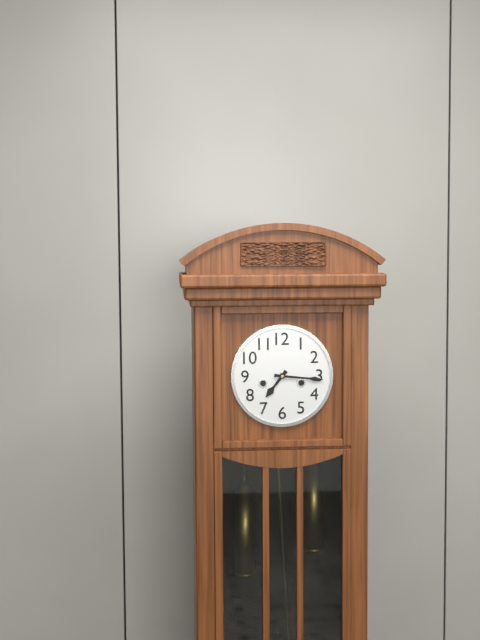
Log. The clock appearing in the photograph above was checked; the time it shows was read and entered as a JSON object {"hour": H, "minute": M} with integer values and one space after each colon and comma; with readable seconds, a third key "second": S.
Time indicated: {"hour": 7, "minute": 16}
